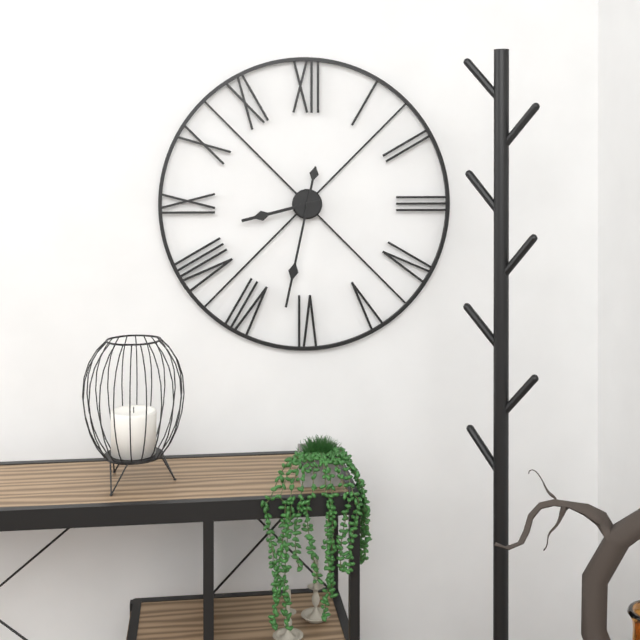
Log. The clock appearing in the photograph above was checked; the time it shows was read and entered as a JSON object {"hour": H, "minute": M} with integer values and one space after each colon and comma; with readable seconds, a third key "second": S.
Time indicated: {"hour": 8, "minute": 32}
